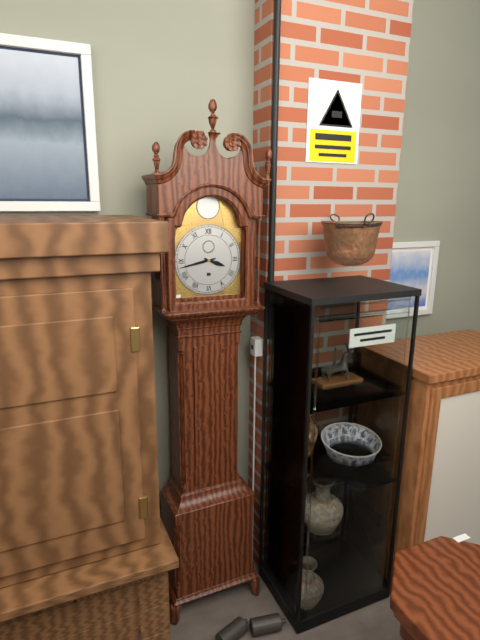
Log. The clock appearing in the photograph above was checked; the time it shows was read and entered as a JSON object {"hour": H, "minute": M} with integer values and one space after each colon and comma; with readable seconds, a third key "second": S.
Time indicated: {"hour": 3, "minute": 43}
